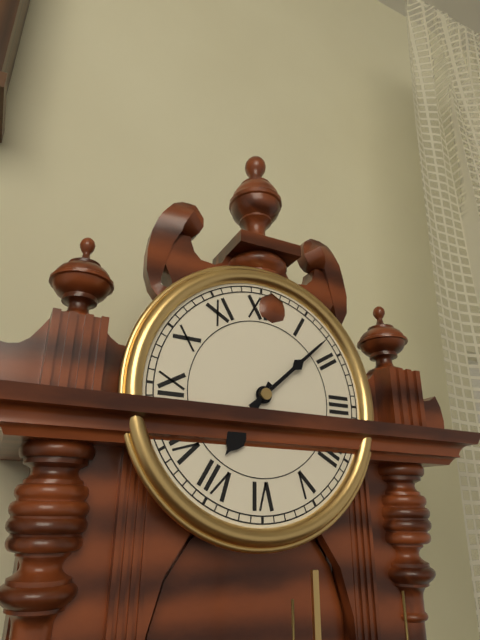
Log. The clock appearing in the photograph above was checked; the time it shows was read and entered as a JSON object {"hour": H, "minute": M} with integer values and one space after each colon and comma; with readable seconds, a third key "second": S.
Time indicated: {"hour": 7, "minute": 8}
